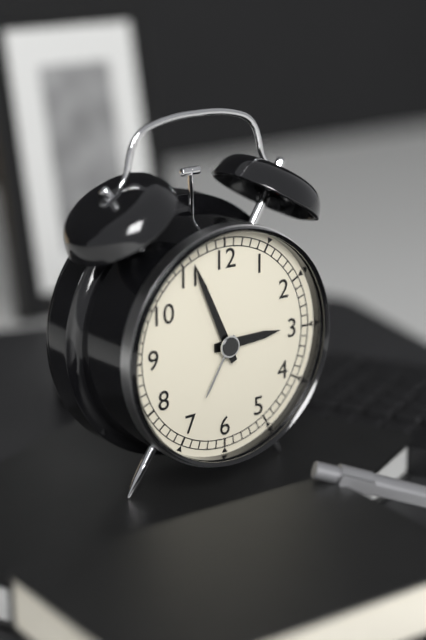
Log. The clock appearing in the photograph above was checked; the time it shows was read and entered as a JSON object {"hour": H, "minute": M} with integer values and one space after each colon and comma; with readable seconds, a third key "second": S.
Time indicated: {"hour": 2, "minute": 56}
